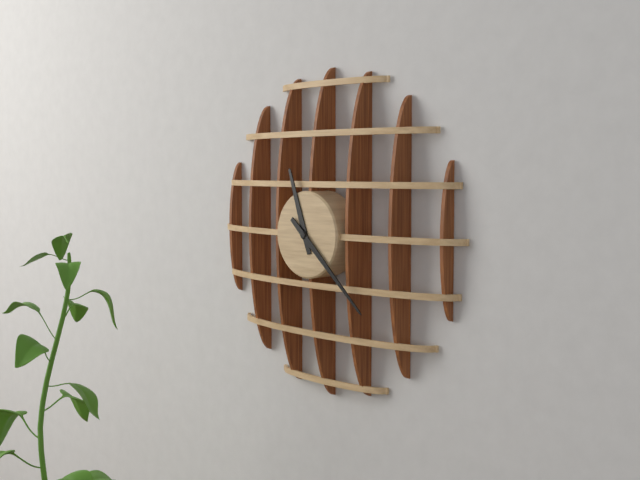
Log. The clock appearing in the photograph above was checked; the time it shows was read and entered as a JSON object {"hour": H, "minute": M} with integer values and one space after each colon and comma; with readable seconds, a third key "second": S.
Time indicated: {"hour": 11, "minute": 22}
